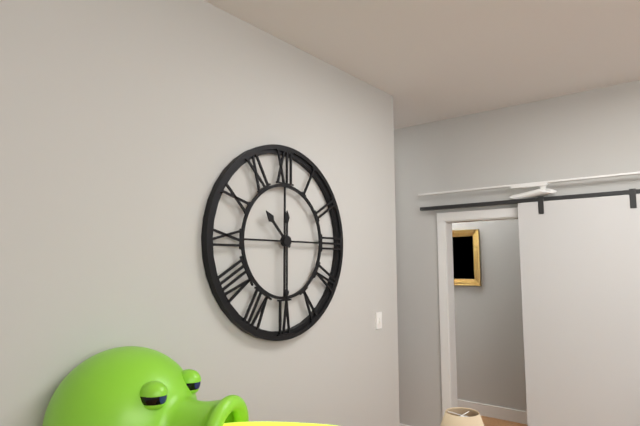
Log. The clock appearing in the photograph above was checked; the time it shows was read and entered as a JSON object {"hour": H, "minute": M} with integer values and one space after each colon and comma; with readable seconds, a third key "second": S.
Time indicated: {"hour": 10, "minute": 30}
